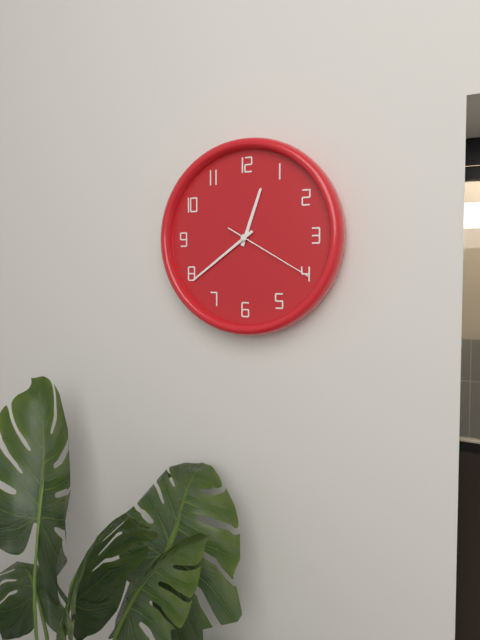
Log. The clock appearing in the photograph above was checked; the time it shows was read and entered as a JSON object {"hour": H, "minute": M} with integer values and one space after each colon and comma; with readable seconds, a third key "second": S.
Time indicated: {"hour": 12, "minute": 39, "second": 20}
